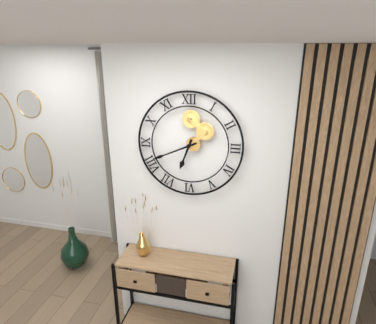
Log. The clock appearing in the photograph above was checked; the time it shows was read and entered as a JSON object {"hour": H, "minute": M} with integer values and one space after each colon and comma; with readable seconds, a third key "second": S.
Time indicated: {"hour": 6, "minute": 41}
